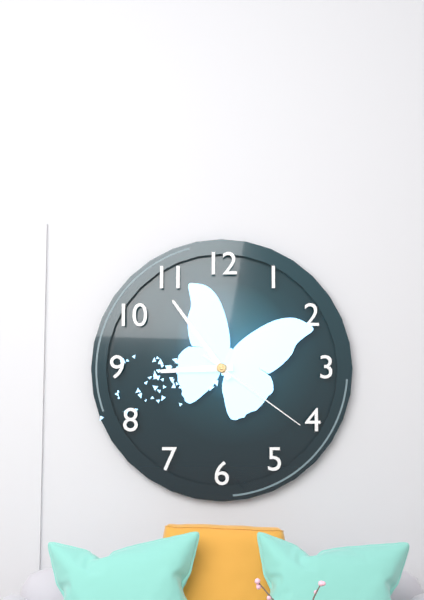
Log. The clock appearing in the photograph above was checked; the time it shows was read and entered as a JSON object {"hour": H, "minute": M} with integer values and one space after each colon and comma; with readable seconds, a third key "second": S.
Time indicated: {"hour": 8, "minute": 54, "second": 21}
